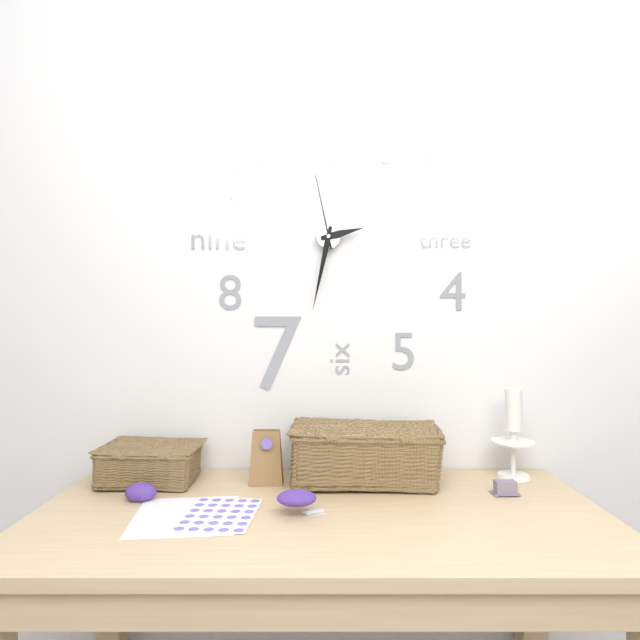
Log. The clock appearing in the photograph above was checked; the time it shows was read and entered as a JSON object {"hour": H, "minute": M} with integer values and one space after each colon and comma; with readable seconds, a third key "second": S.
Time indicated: {"hour": 2, "minute": 32, "second": 58}
